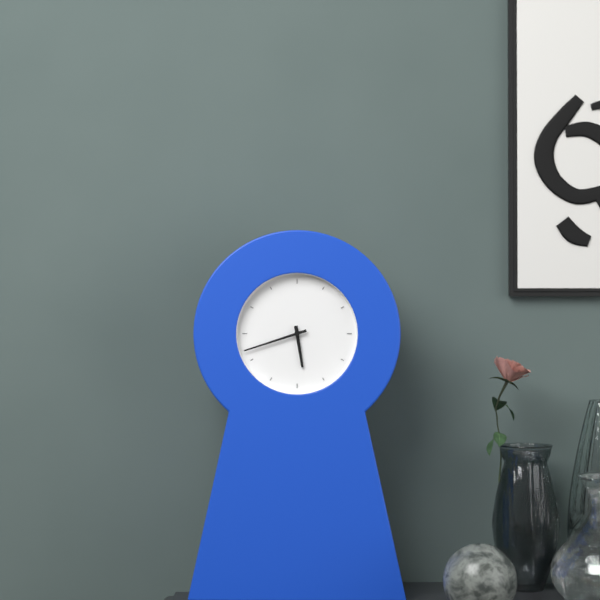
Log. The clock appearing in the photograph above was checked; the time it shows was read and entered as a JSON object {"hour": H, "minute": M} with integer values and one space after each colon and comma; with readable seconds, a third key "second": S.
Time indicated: {"hour": 5, "minute": 42}
